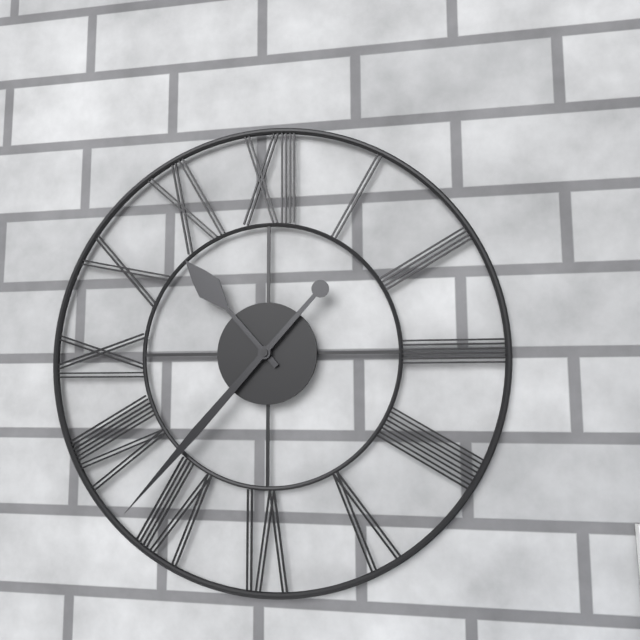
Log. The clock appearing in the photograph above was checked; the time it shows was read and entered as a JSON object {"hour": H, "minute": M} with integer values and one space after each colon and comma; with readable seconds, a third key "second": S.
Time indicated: {"hour": 10, "minute": 37}
